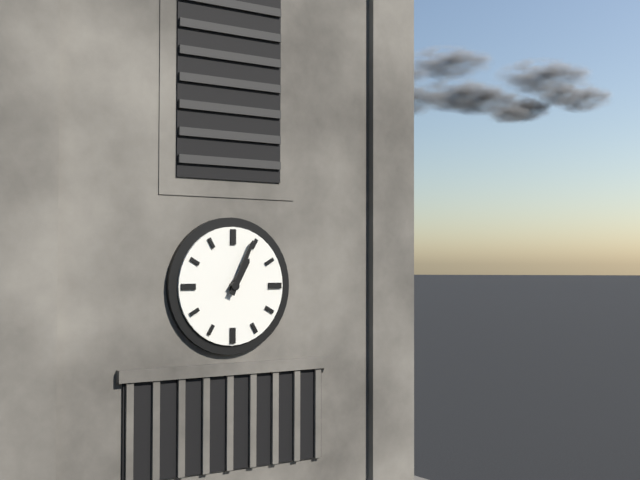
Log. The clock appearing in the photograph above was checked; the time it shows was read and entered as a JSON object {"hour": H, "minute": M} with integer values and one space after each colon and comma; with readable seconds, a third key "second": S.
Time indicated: {"hour": 1, "minute": 4}
